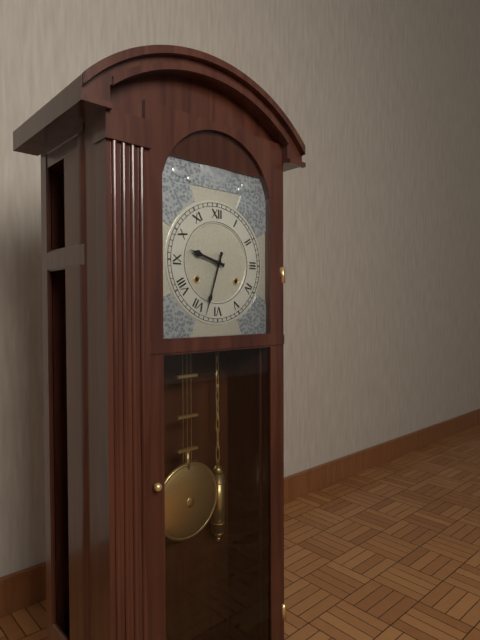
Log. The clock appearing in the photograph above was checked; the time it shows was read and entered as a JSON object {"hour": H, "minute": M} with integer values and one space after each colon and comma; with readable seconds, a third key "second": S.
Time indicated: {"hour": 9, "minute": 33}
